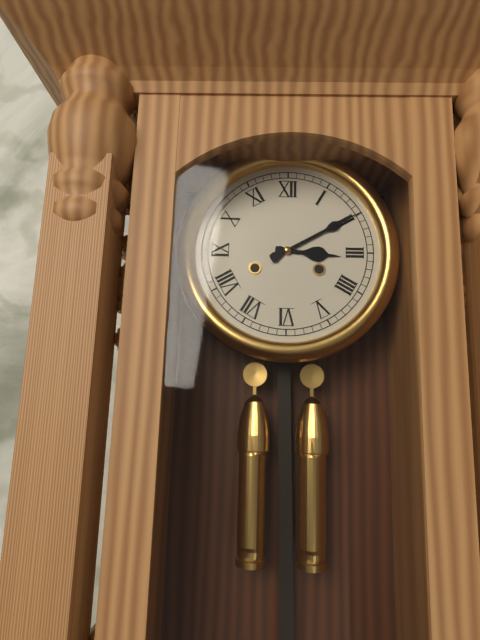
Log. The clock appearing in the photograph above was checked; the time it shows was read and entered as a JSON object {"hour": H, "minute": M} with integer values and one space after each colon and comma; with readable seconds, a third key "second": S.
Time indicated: {"hour": 3, "minute": 10}
